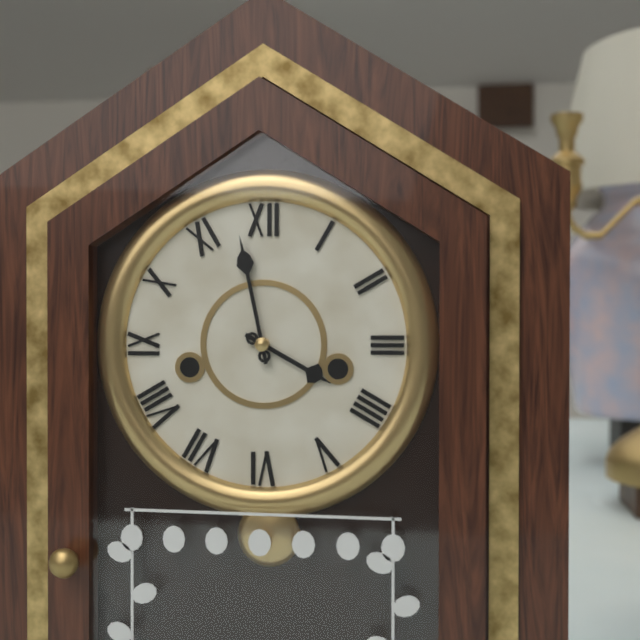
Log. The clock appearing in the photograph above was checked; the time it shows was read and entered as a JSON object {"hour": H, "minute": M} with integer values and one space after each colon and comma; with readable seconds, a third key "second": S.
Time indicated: {"hour": 3, "minute": 58}
